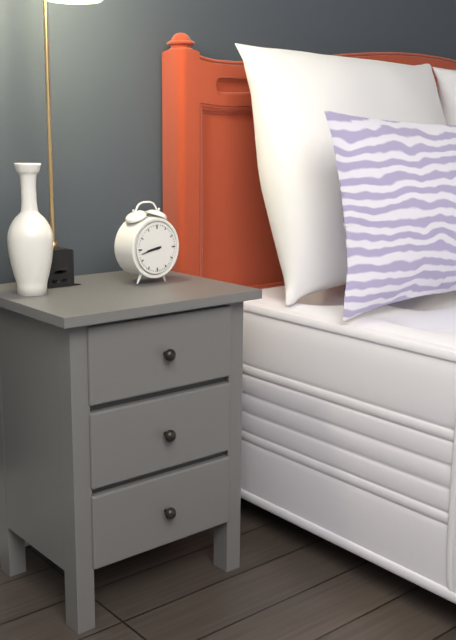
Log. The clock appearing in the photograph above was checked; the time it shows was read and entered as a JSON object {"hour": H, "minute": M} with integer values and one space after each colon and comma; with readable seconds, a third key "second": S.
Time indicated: {"hour": 8, "minute": 43}
